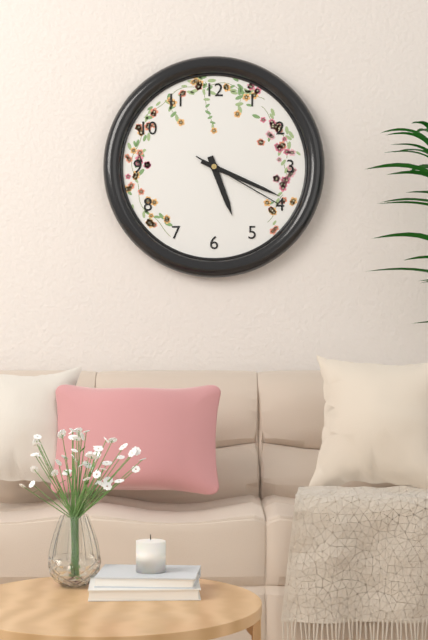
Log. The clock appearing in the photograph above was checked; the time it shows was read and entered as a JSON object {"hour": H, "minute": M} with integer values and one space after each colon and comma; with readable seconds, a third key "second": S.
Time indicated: {"hour": 5, "minute": 19, "second": 20}
